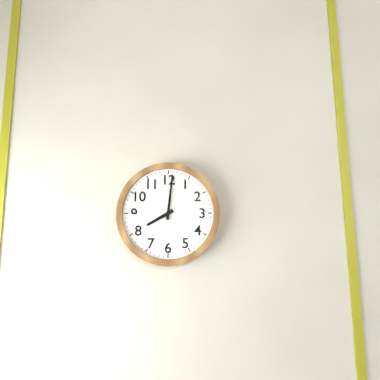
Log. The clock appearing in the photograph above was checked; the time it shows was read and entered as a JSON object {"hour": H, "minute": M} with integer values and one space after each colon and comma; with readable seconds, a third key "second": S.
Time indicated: {"hour": 8, "minute": 1}
